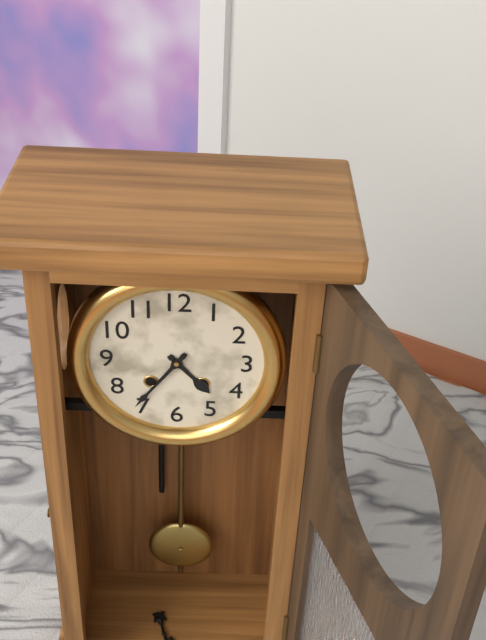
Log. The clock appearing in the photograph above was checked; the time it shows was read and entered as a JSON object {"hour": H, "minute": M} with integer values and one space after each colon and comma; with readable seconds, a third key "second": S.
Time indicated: {"hour": 4, "minute": 36}
